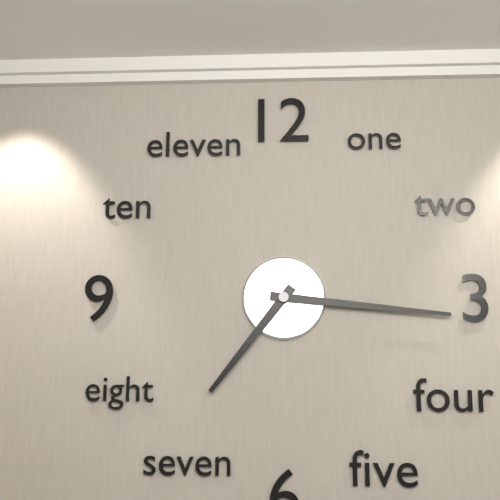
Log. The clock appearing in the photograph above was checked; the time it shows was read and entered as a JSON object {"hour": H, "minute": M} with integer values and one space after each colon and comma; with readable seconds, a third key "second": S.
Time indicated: {"hour": 7, "minute": 16}
